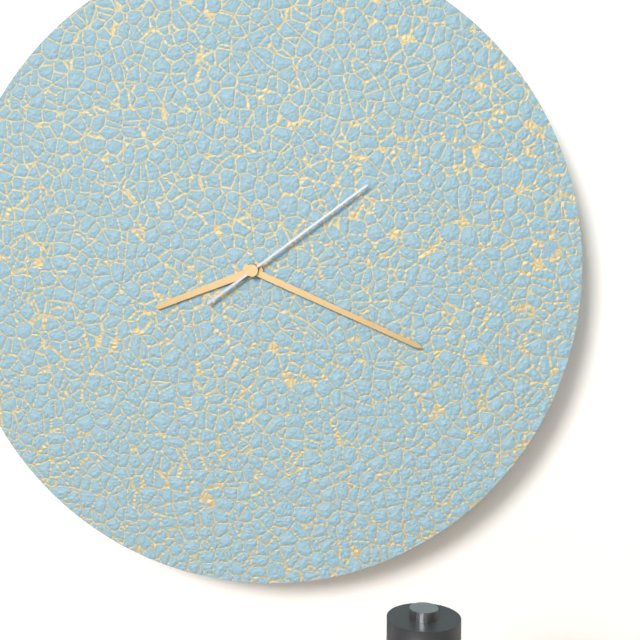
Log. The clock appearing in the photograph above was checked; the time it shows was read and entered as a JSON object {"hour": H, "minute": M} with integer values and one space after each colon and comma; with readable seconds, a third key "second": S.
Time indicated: {"hour": 8, "minute": 19, "second": 9}
